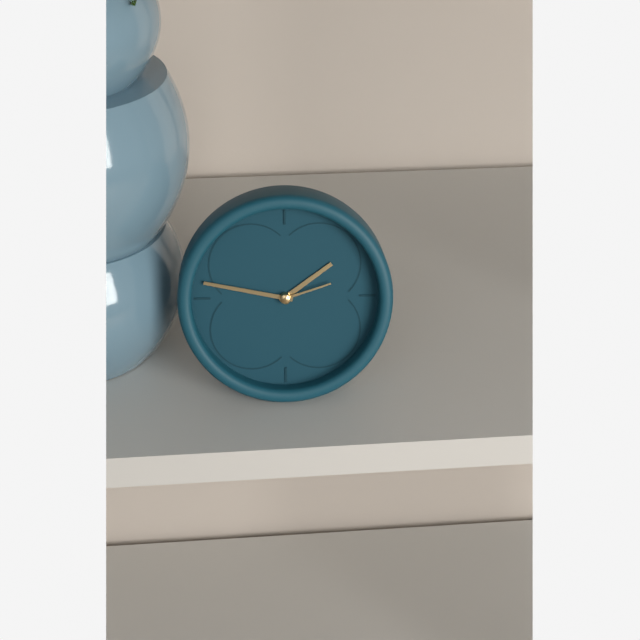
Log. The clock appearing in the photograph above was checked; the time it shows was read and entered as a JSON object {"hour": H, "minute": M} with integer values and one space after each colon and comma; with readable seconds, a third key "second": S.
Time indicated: {"hour": 1, "minute": 47, "second": 12}
